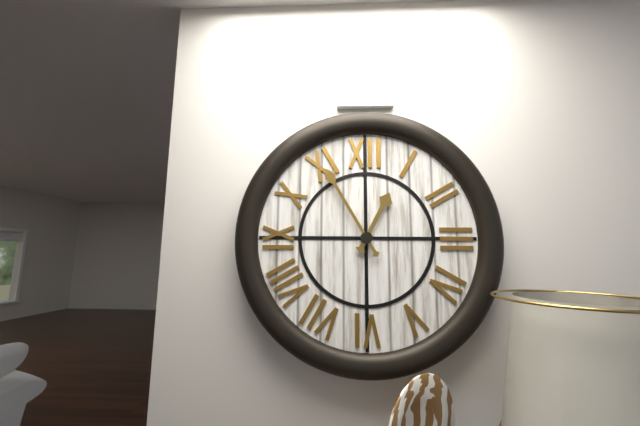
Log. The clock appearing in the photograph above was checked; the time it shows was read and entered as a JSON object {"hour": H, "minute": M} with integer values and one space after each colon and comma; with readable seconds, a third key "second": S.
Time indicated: {"hour": 12, "minute": 55}
